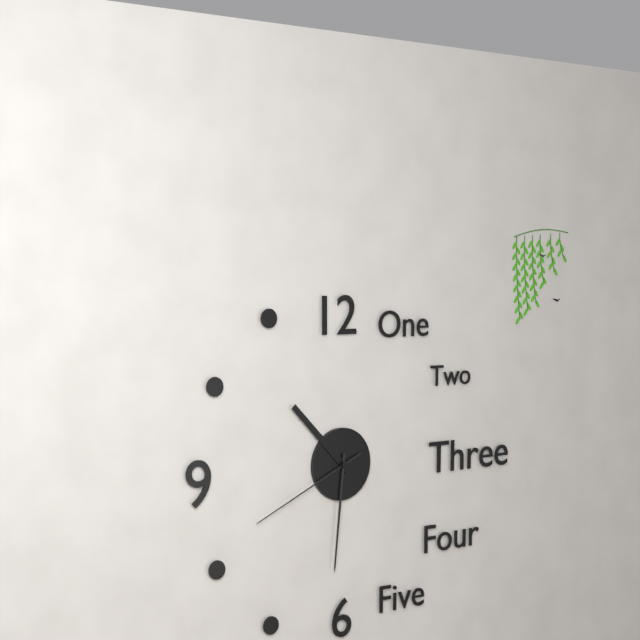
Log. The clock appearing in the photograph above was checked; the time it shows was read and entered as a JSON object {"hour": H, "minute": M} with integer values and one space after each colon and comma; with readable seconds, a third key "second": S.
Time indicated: {"hour": 10, "minute": 31, "second": 41}
